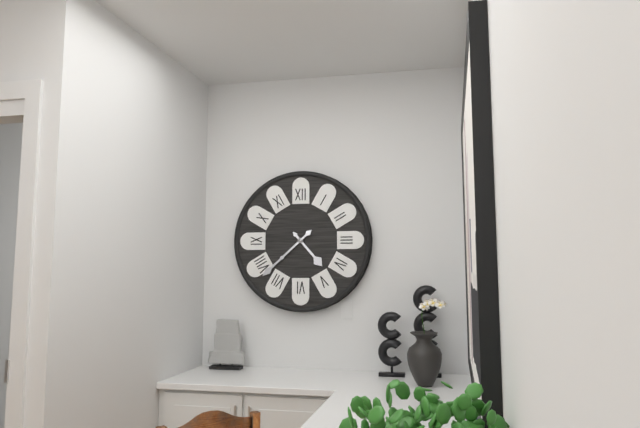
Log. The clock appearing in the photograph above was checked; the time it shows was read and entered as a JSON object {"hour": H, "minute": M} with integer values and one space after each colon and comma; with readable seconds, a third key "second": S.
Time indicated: {"hour": 4, "minute": 38}
